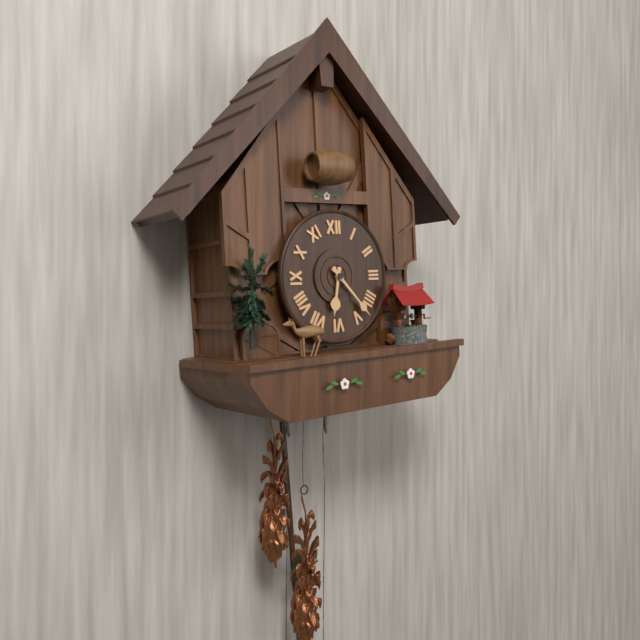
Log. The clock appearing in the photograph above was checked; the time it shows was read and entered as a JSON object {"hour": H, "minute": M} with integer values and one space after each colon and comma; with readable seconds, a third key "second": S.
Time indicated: {"hour": 6, "minute": 23}
